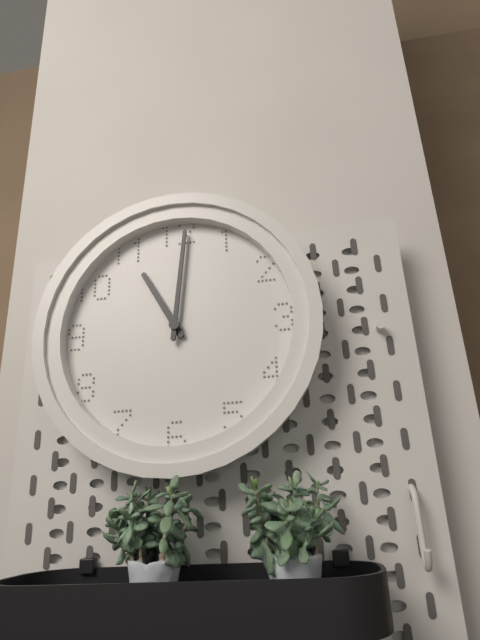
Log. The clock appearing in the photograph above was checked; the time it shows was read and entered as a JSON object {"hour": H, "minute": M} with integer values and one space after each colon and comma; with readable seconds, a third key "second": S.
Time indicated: {"hour": 11, "minute": 1}
